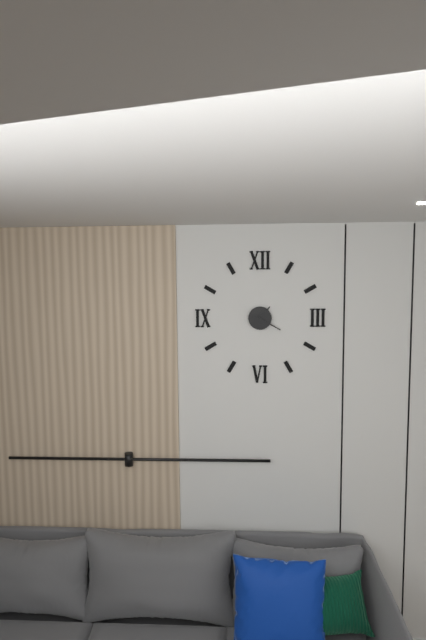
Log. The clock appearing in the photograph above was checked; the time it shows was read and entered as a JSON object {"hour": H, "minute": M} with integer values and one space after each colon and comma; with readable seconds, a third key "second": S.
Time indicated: {"hour": 1, "minute": 20}
